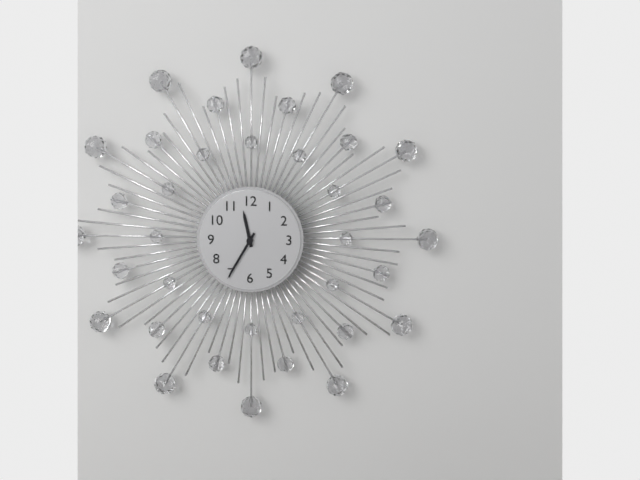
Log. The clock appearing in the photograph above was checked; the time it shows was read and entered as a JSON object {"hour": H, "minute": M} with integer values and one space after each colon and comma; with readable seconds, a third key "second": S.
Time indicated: {"hour": 11, "minute": 35}
